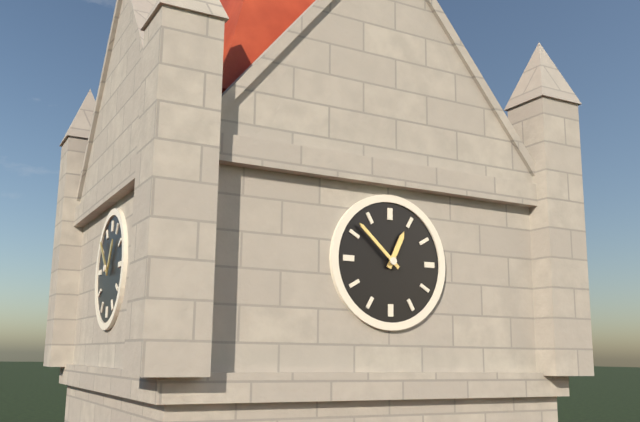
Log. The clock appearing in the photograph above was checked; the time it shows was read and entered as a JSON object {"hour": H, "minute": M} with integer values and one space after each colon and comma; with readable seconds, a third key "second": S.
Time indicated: {"hour": 12, "minute": 52}
